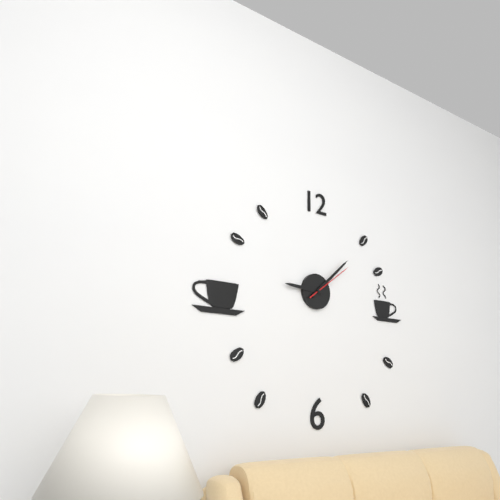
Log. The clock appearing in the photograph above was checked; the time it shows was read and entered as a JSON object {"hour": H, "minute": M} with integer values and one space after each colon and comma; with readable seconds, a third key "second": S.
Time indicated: {"hour": 9, "minute": 8}
